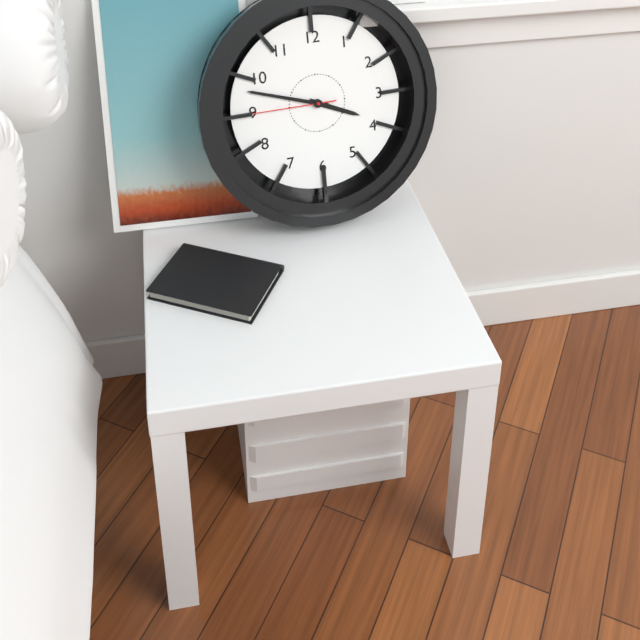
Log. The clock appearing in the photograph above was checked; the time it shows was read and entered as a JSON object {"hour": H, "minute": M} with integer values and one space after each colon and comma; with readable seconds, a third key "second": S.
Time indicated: {"hour": 3, "minute": 48, "second": 45}
